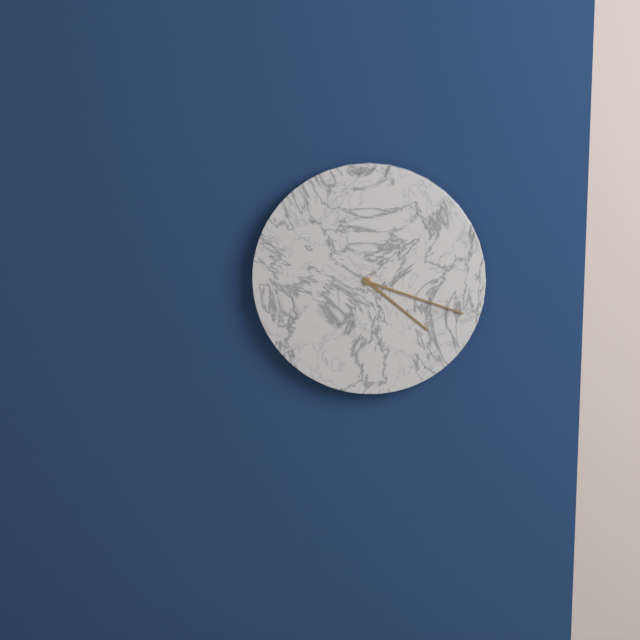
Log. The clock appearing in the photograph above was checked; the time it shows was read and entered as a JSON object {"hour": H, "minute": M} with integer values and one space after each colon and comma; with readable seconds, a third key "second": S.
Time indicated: {"hour": 4, "minute": 18}
